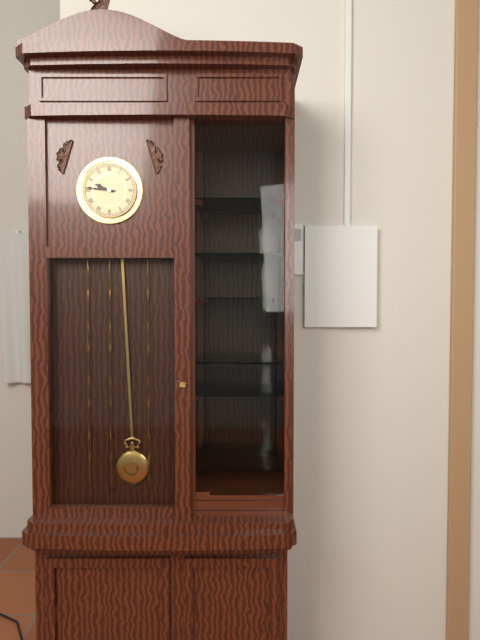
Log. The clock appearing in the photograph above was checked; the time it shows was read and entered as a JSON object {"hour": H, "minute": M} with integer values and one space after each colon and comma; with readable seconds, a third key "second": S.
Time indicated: {"hour": 9, "minute": 46}
